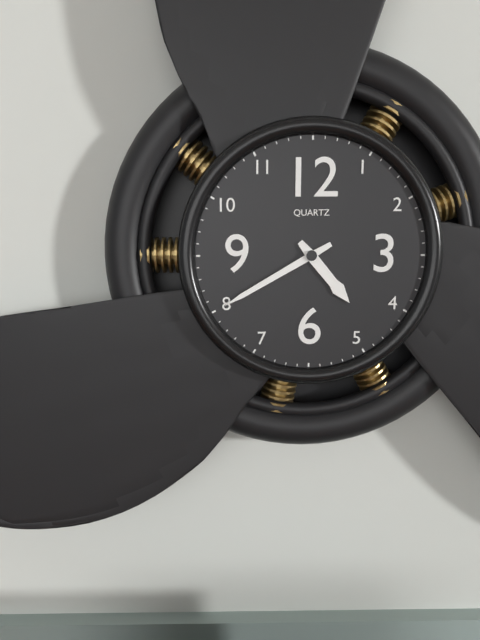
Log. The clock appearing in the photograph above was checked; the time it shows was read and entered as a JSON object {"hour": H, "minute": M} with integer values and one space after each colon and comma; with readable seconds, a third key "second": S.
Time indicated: {"hour": 4, "minute": 40}
